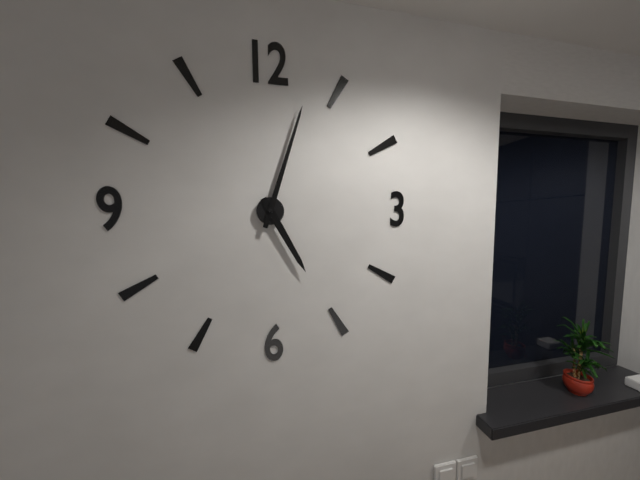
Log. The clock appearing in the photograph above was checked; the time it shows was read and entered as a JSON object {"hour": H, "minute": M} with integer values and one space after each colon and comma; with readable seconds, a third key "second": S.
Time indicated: {"hour": 5, "minute": 3}
